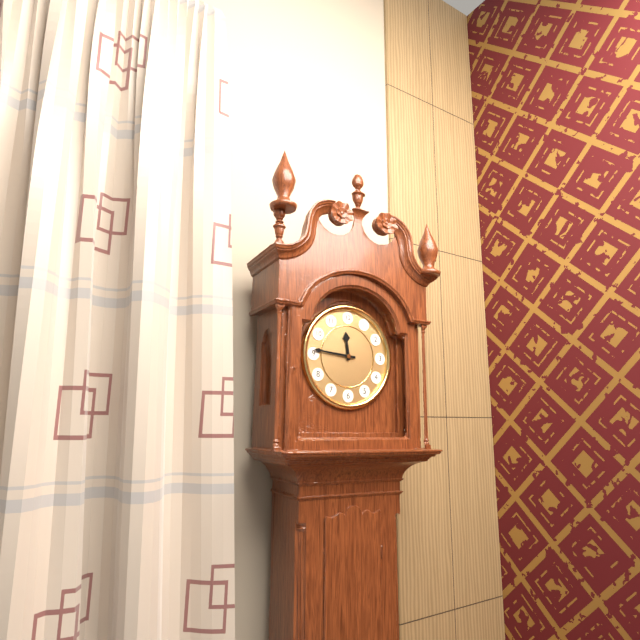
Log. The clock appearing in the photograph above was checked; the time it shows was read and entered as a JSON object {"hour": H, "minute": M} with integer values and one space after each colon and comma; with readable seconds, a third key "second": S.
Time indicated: {"hour": 11, "minute": 46}
